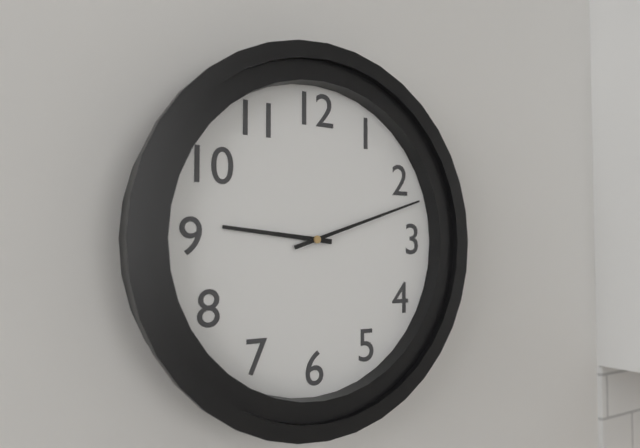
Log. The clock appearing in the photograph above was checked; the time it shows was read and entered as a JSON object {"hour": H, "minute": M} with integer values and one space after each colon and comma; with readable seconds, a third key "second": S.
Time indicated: {"hour": 9, "minute": 12}
